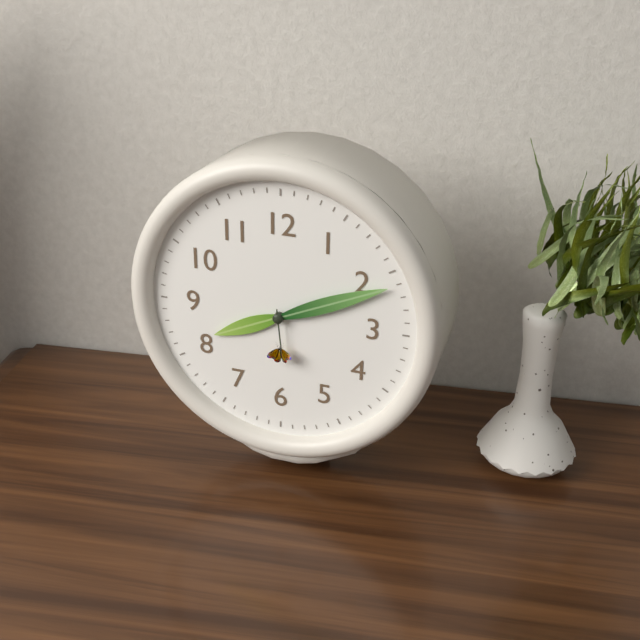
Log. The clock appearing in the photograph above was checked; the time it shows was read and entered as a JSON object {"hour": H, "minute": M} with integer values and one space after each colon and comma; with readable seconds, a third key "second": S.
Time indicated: {"hour": 8, "minute": 11, "second": 29}
